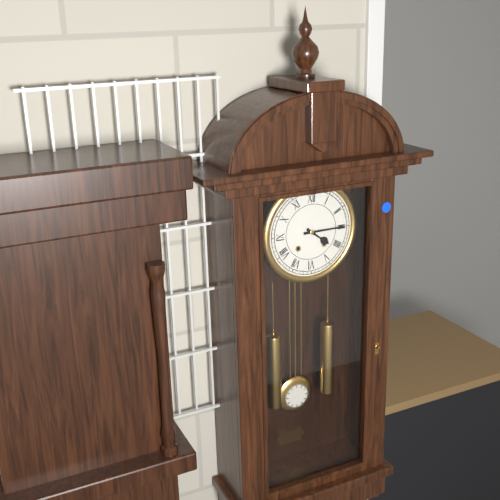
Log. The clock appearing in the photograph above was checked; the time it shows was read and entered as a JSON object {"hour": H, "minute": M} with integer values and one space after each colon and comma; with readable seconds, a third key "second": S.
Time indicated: {"hour": 4, "minute": 15}
